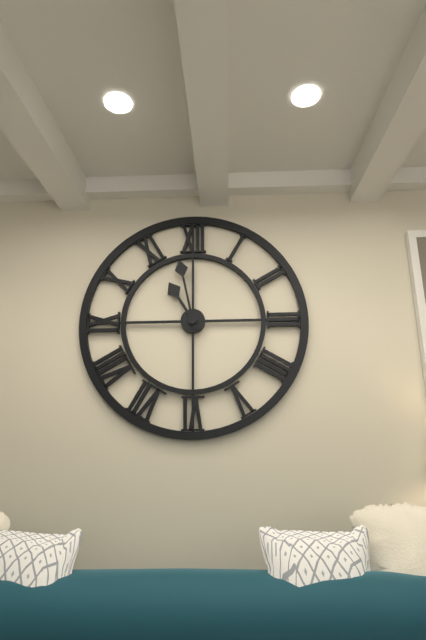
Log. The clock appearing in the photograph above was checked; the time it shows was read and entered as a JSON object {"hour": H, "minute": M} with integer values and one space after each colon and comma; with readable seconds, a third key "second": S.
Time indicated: {"hour": 10, "minute": 58}
